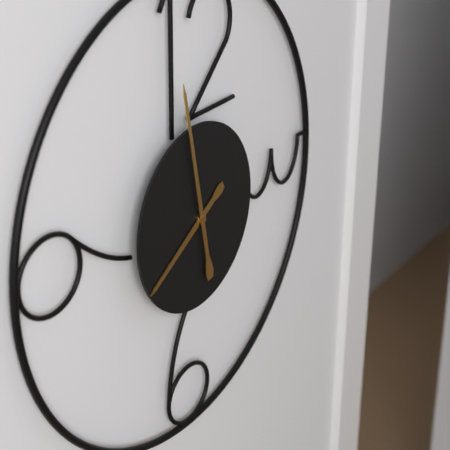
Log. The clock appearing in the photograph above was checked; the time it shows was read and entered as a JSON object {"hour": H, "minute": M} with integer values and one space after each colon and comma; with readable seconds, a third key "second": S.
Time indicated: {"hour": 7, "minute": 58}
